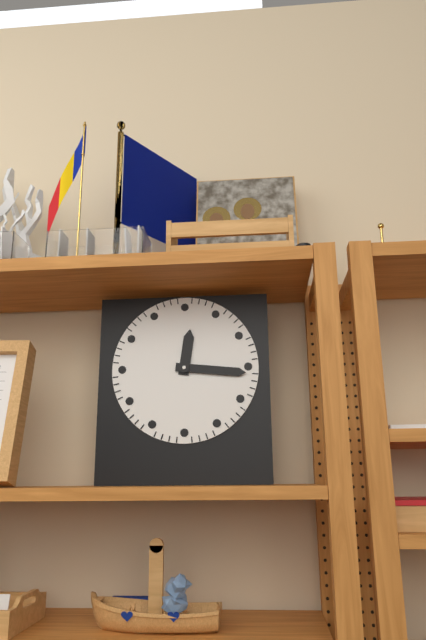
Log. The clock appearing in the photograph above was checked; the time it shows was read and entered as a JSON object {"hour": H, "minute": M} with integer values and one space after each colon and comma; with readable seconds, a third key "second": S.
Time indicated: {"hour": 12, "minute": 16}
